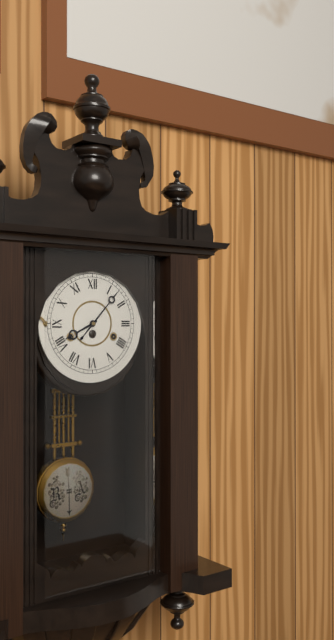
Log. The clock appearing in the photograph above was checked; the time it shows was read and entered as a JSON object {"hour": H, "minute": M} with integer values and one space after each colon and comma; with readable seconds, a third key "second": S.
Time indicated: {"hour": 8, "minute": 7}
